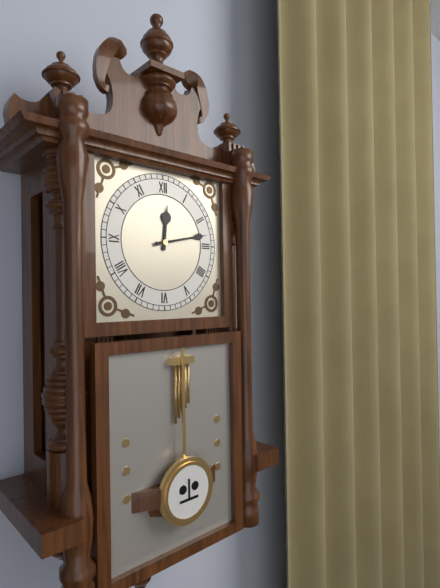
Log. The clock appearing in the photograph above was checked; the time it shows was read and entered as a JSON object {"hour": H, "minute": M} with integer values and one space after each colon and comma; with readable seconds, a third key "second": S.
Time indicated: {"hour": 12, "minute": 13}
